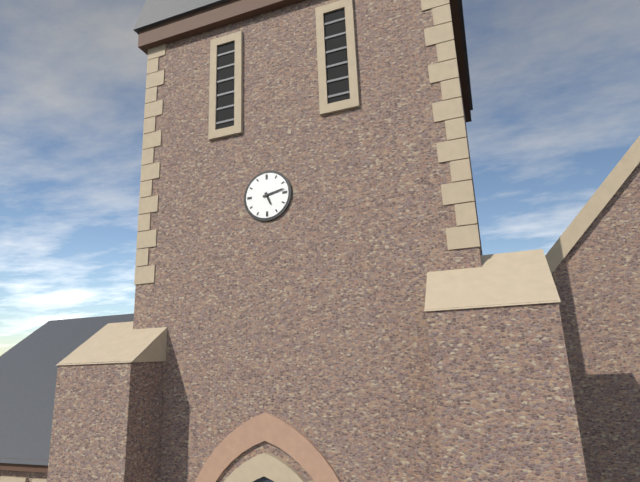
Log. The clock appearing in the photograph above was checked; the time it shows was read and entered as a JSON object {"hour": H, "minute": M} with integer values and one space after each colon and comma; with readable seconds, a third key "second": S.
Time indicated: {"hour": 5, "minute": 13}
